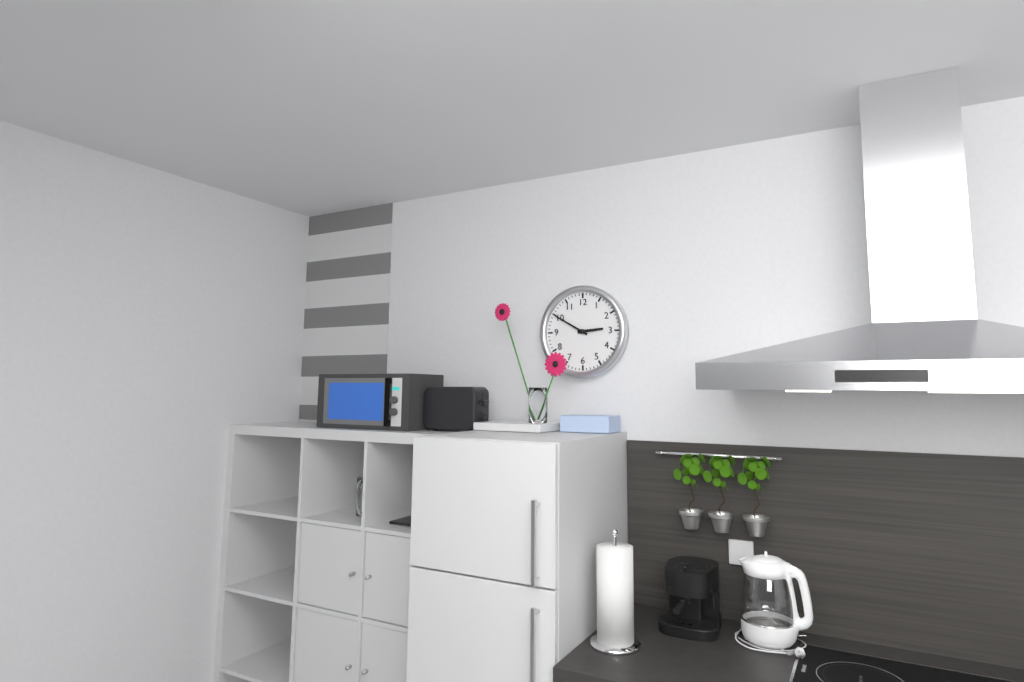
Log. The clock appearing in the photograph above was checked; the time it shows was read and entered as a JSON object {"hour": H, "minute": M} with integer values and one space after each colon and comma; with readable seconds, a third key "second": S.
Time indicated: {"hour": 2, "minute": 50}
